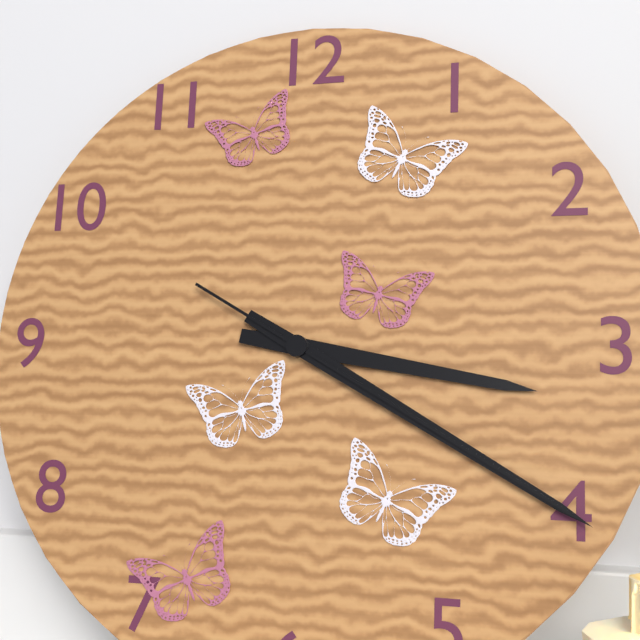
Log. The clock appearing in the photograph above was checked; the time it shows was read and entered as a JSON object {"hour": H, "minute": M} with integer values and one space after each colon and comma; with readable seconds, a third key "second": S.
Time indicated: {"hour": 3, "minute": 20, "second": 20}
